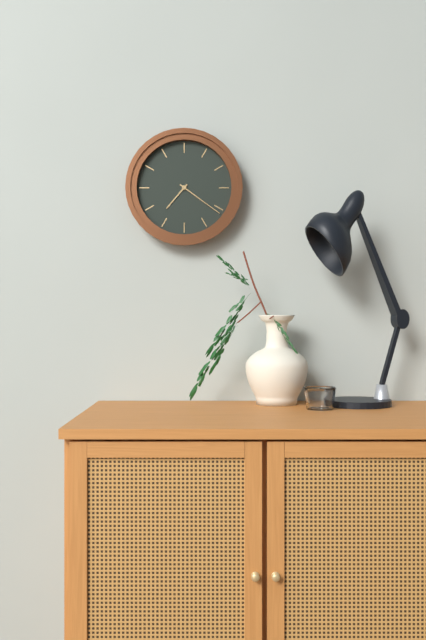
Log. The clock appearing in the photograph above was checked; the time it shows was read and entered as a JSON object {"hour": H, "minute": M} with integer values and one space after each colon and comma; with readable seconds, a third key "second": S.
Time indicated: {"hour": 7, "minute": 21}
